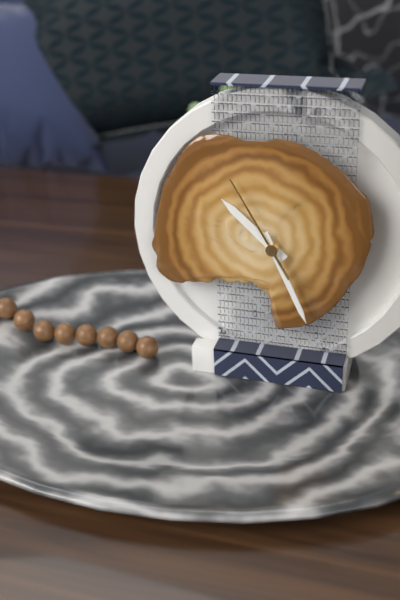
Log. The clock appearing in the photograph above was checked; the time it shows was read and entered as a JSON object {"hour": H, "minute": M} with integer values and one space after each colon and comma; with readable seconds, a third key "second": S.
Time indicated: {"hour": 10, "minute": 26, "second": 55}
